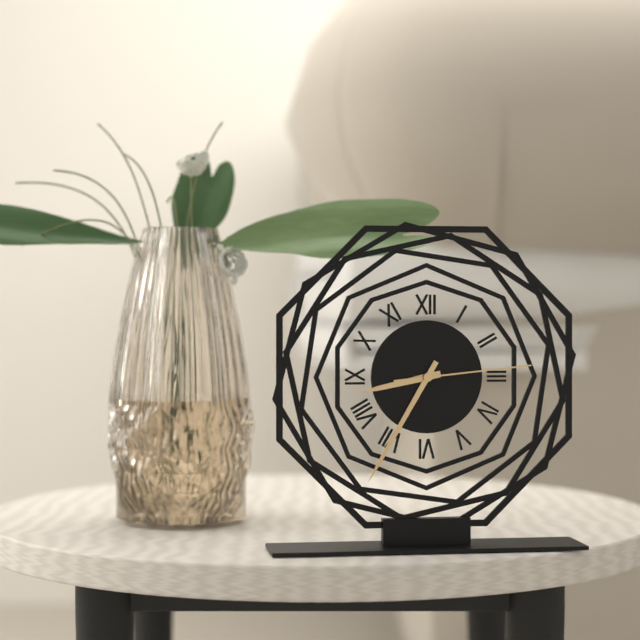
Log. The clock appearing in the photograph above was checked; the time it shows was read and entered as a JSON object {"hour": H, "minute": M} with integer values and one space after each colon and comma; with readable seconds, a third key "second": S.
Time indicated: {"hour": 8, "minute": 35, "second": 14}
